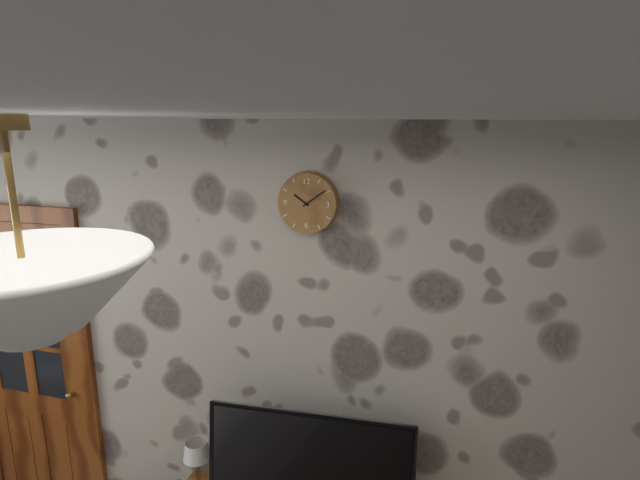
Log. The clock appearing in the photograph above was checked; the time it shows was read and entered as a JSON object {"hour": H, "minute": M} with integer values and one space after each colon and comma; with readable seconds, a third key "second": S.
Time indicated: {"hour": 10, "minute": 9}
